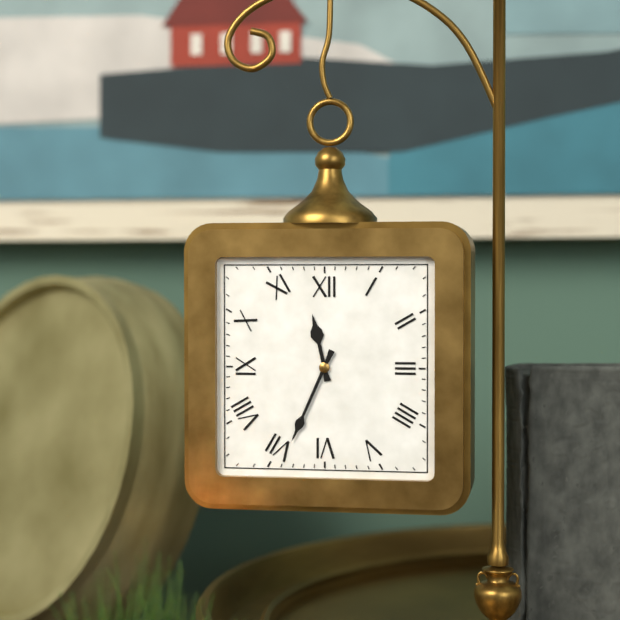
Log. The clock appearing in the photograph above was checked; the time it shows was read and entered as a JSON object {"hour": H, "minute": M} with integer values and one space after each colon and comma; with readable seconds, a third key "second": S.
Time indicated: {"hour": 11, "minute": 34}
